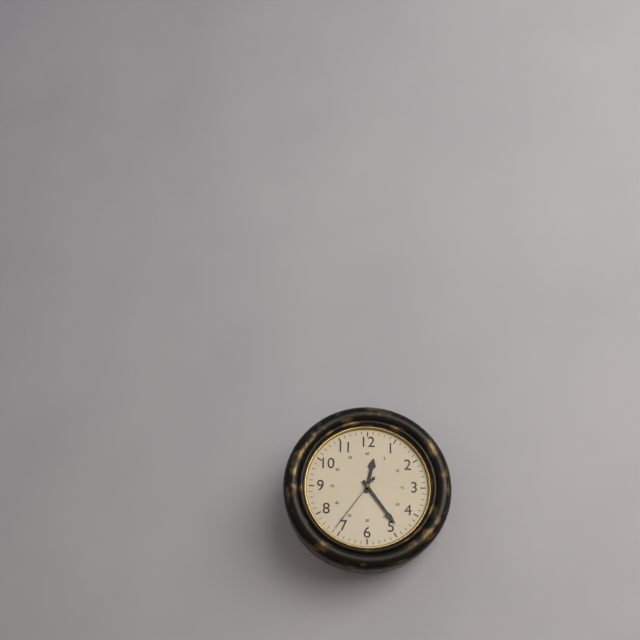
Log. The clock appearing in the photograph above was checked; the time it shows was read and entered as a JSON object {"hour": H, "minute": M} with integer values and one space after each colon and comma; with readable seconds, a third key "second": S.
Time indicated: {"hour": 12, "minute": 24, "second": 36}
